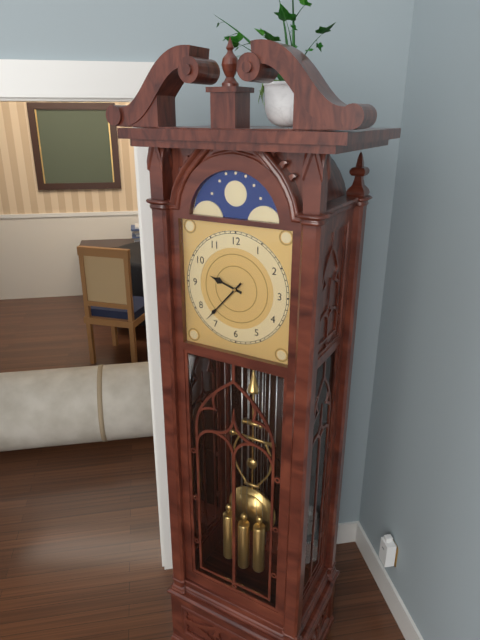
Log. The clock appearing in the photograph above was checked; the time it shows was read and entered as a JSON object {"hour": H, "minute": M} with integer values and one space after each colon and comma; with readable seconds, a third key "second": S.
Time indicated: {"hour": 9, "minute": 37}
